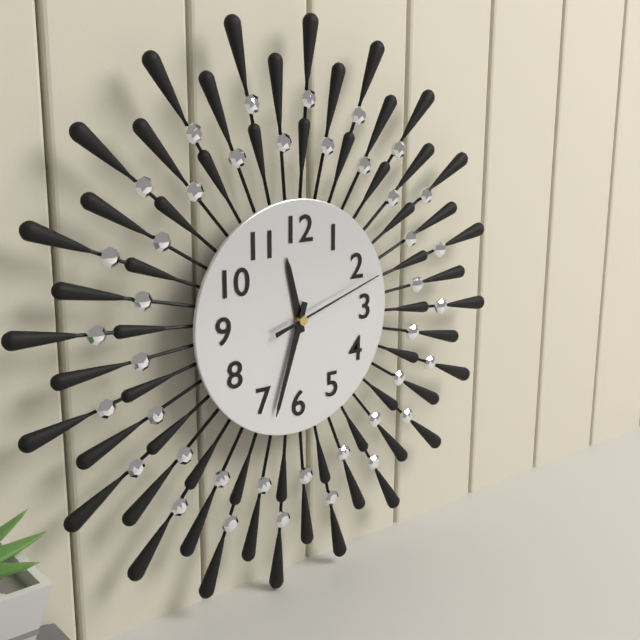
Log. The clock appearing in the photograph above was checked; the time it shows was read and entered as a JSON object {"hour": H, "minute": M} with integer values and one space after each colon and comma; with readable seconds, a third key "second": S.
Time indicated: {"hour": 11, "minute": 33, "second": 12}
